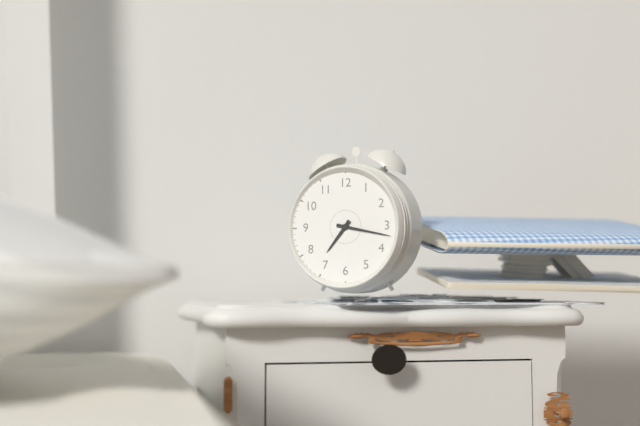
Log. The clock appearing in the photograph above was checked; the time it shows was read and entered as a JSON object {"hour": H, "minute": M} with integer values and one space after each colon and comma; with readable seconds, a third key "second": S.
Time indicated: {"hour": 7, "minute": 17}
